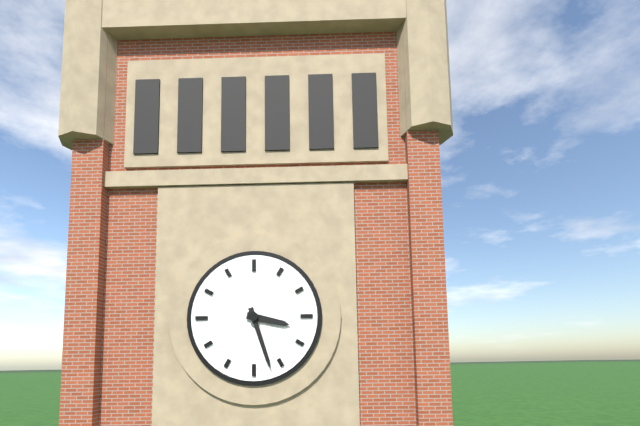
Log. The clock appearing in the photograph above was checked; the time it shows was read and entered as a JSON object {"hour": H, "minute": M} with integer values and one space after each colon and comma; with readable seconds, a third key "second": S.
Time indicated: {"hour": 3, "minute": 27}
